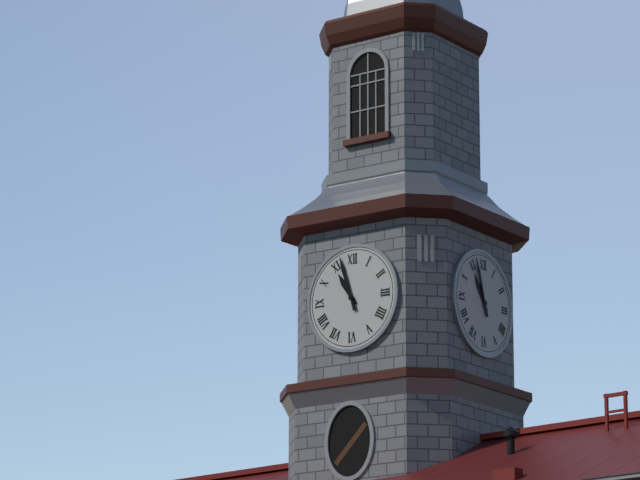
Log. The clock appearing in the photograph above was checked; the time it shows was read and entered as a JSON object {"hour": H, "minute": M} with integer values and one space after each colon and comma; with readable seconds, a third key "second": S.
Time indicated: {"hour": 10, "minute": 57}
